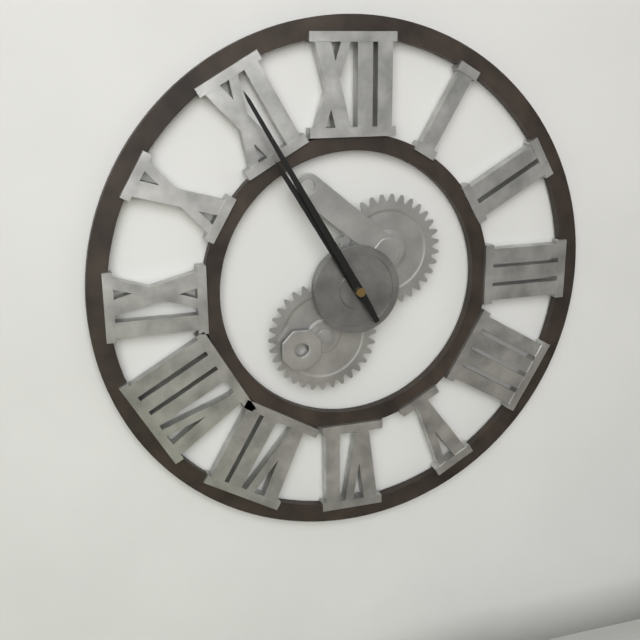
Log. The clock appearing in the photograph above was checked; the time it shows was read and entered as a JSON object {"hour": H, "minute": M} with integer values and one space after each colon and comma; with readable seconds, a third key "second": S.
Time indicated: {"hour": 10, "minute": 55}
